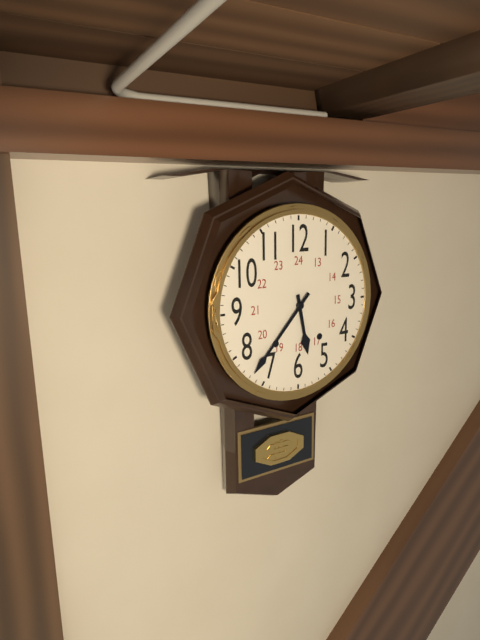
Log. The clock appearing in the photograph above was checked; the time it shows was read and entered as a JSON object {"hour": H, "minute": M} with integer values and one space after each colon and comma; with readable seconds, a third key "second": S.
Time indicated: {"hour": 5, "minute": 37}
